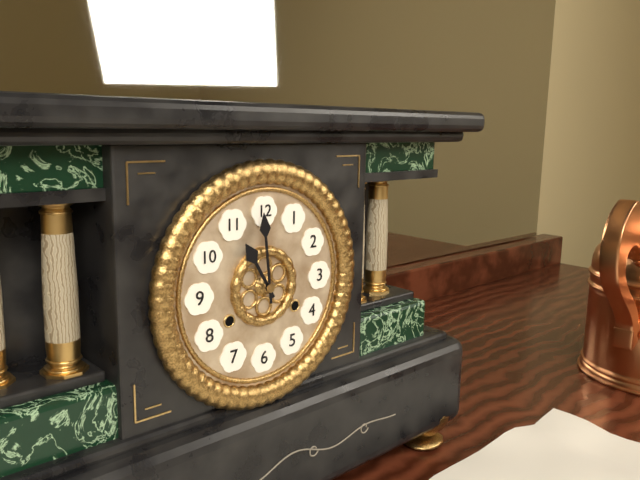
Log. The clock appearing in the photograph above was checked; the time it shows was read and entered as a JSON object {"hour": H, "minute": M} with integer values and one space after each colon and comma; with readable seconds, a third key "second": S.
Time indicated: {"hour": 10, "minute": 59}
